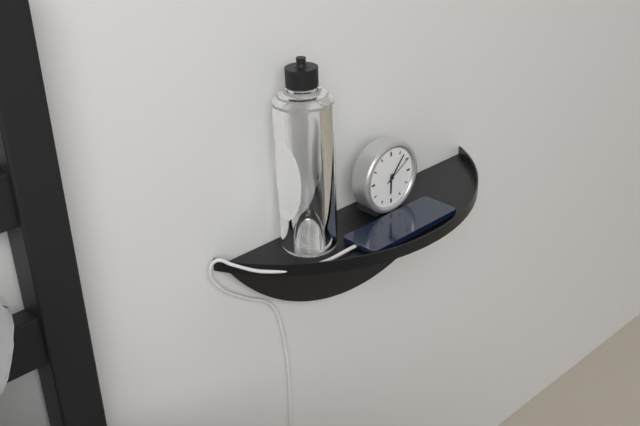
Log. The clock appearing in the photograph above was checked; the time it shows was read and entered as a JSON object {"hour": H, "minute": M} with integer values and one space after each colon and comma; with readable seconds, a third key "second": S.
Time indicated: {"hour": 6, "minute": 7}
